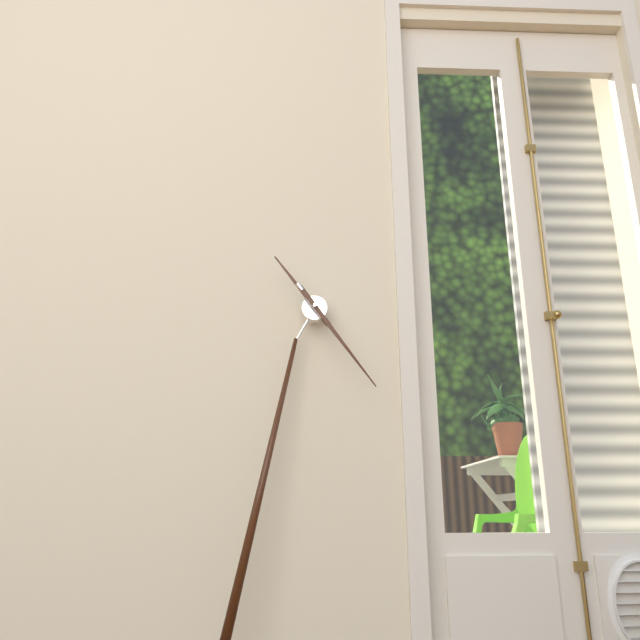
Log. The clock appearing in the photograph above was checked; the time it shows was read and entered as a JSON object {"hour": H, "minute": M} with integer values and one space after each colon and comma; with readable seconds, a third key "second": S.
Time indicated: {"hour": 10, "minute": 22}
